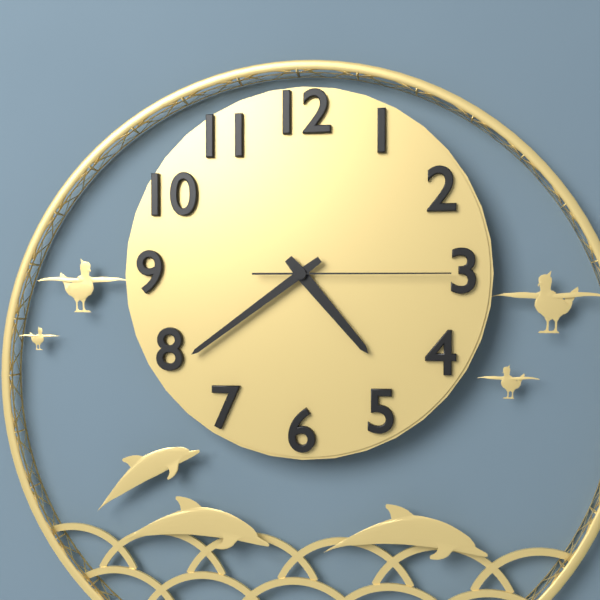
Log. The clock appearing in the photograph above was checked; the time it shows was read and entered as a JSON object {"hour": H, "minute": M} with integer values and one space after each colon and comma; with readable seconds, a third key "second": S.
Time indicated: {"hour": 4, "minute": 39, "second": 15}
